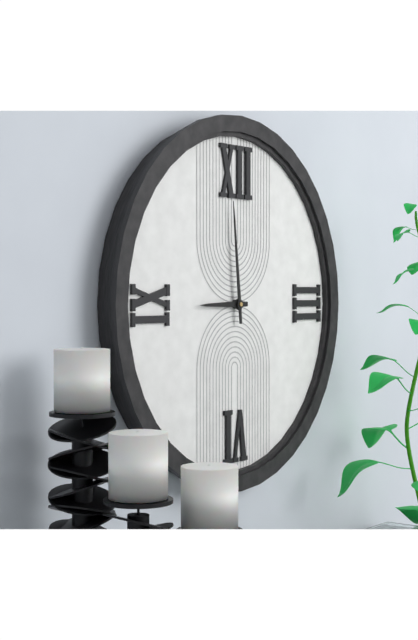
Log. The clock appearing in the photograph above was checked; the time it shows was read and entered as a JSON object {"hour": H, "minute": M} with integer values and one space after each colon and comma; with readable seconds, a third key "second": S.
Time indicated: {"hour": 8, "minute": 59}
